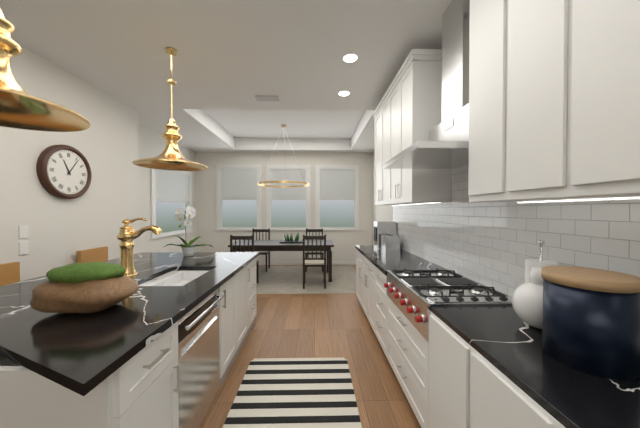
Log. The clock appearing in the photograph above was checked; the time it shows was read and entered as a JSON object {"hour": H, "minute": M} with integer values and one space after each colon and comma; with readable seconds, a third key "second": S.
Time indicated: {"hour": 11, "minute": 6}
